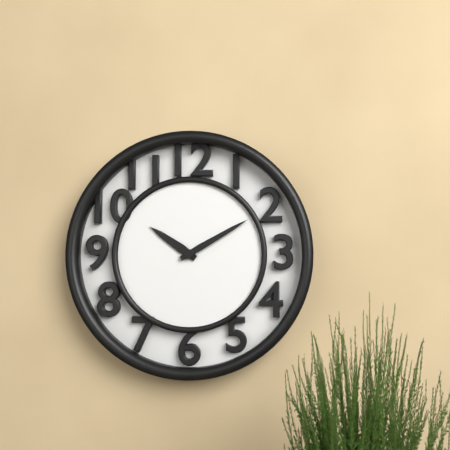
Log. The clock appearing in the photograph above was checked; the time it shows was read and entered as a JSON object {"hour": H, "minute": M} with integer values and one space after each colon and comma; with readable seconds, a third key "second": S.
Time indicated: {"hour": 10, "minute": 10}
